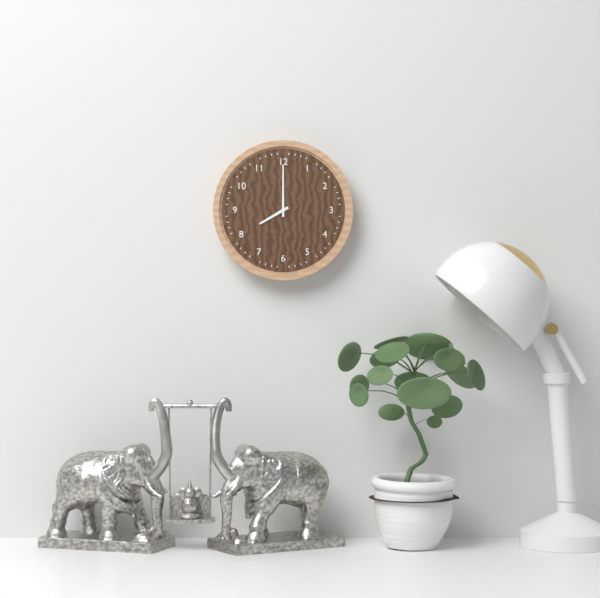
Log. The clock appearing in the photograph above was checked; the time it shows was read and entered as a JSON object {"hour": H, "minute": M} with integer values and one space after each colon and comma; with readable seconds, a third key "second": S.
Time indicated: {"hour": 8, "minute": 0}
